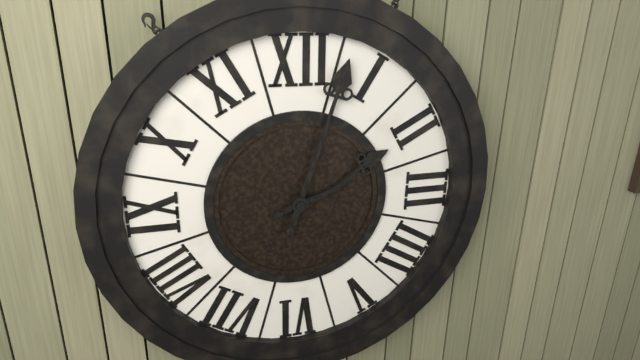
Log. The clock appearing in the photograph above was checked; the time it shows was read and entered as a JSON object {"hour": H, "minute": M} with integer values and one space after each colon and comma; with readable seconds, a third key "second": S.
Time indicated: {"hour": 2, "minute": 3}
